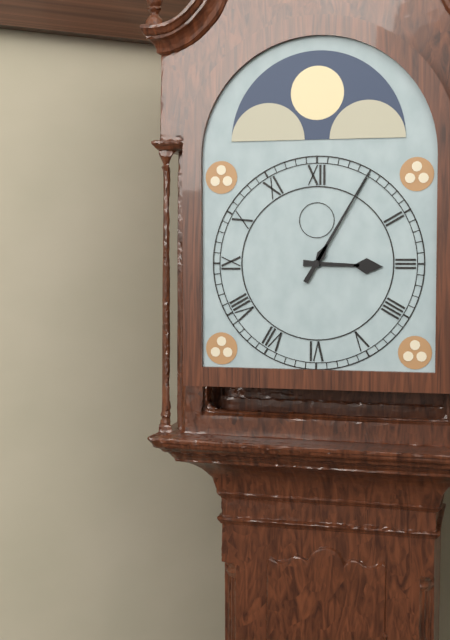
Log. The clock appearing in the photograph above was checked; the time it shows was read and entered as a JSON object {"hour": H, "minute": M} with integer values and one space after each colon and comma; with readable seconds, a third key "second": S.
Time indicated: {"hour": 3, "minute": 5}
